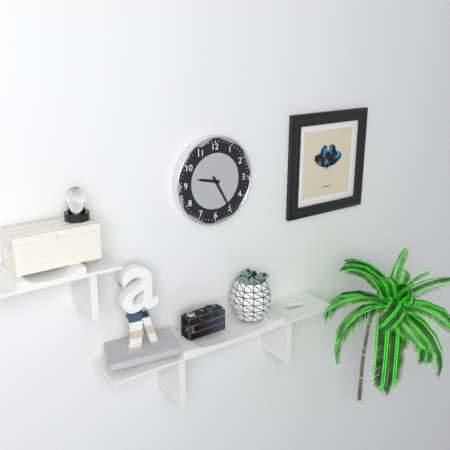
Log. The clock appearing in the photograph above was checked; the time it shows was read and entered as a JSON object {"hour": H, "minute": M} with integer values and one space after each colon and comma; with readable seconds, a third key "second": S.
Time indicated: {"hour": 9, "minute": 25}
